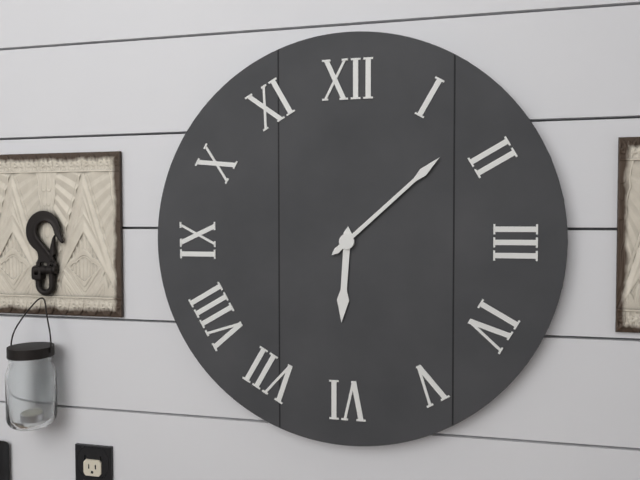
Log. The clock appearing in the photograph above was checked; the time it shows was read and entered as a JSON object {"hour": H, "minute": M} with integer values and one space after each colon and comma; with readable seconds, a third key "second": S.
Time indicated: {"hour": 6, "minute": 8}
